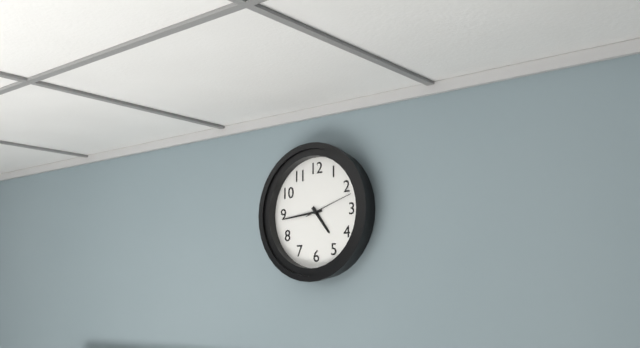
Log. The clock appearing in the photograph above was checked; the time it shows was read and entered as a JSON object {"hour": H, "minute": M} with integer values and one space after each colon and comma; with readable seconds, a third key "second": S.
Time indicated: {"hour": 4, "minute": 44, "second": 12}
